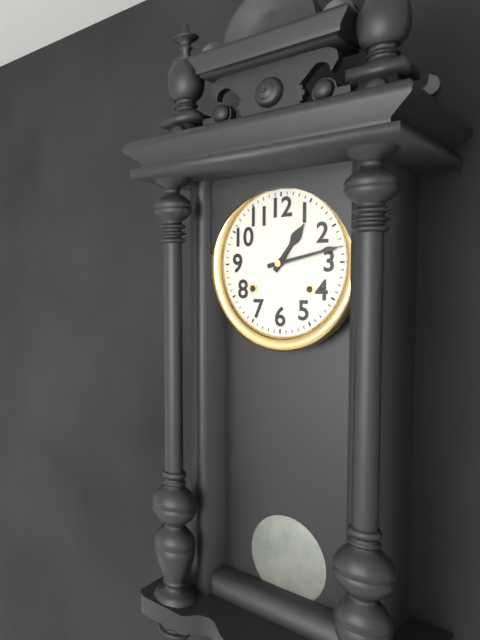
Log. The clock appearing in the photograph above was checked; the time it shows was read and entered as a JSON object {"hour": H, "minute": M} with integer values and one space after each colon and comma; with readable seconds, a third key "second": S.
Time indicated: {"hour": 1, "minute": 13}
